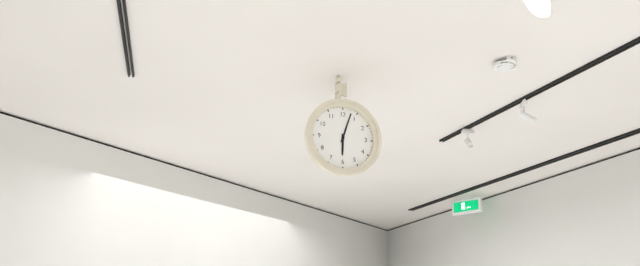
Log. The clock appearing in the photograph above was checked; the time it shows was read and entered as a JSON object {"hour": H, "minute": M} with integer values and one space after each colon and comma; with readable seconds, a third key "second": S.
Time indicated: {"hour": 6, "minute": 3}
